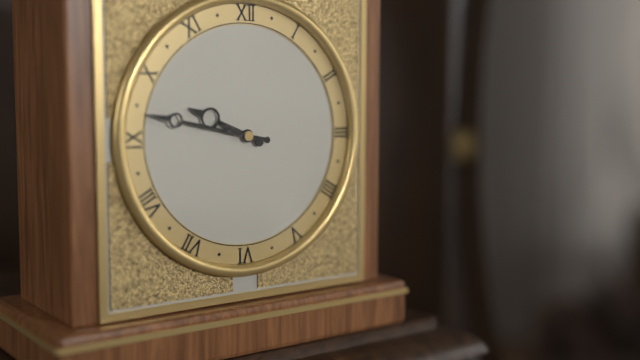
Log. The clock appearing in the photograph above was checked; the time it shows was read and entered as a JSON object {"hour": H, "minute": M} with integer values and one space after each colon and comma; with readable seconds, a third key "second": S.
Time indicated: {"hour": 9, "minute": 47}
